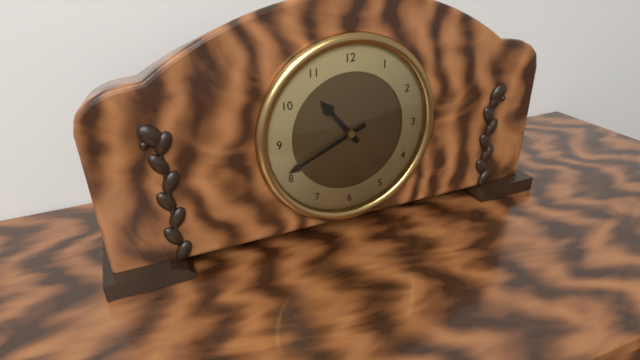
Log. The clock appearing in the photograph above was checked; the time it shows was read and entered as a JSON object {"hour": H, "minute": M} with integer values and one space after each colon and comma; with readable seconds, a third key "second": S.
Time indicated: {"hour": 10, "minute": 41}
